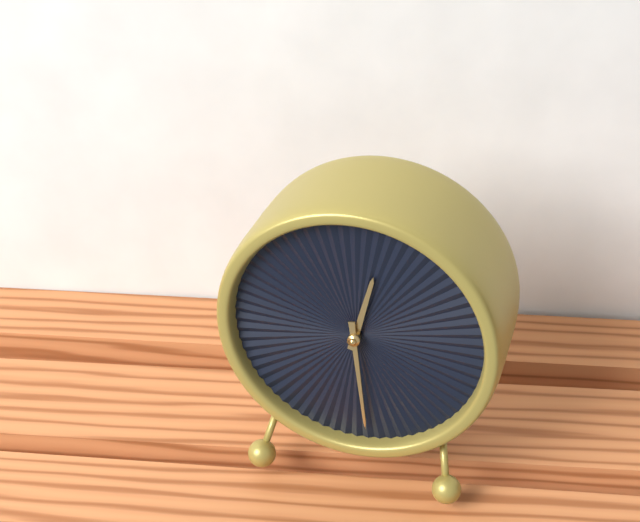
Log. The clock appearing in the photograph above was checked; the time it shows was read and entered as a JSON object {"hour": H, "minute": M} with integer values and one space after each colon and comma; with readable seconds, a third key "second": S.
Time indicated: {"hour": 12, "minute": 29}
